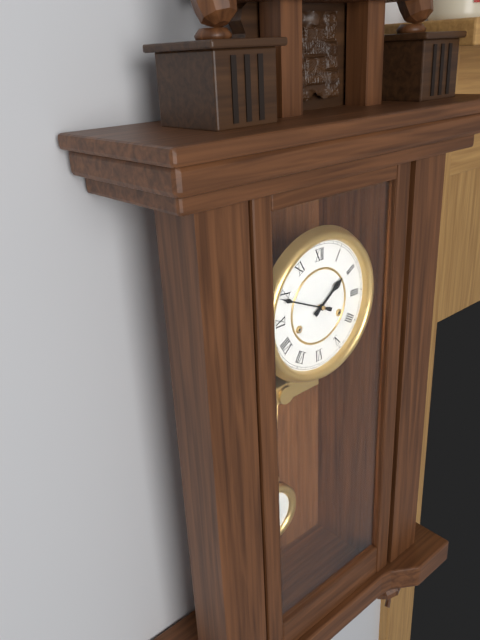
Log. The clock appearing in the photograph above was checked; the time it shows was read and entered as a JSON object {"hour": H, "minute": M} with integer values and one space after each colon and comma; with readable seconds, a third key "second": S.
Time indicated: {"hour": 1, "minute": 49}
